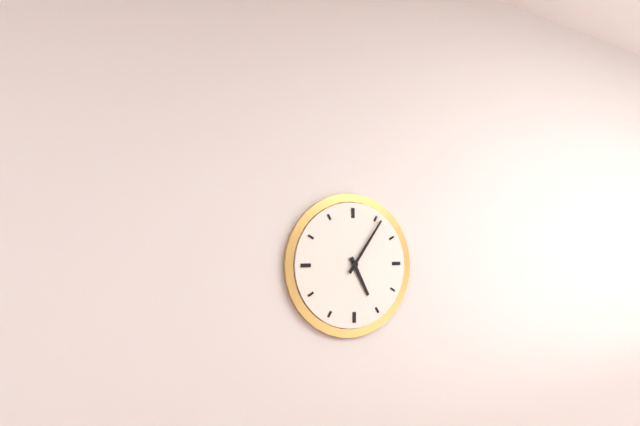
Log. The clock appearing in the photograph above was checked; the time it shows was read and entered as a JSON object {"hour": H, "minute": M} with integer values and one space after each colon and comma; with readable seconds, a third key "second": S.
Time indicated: {"hour": 5, "minute": 6}
